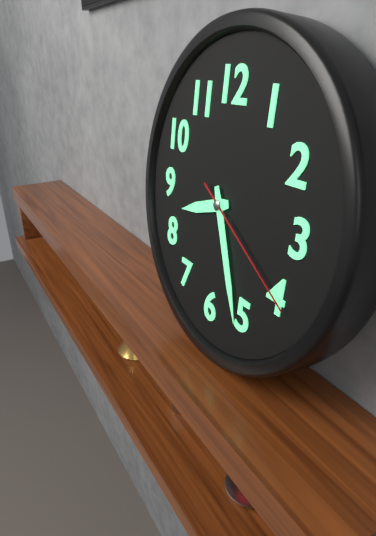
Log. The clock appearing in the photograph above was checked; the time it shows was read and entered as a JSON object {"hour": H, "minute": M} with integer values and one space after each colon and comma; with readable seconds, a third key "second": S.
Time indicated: {"hour": 8, "minute": 26, "second": 20}
